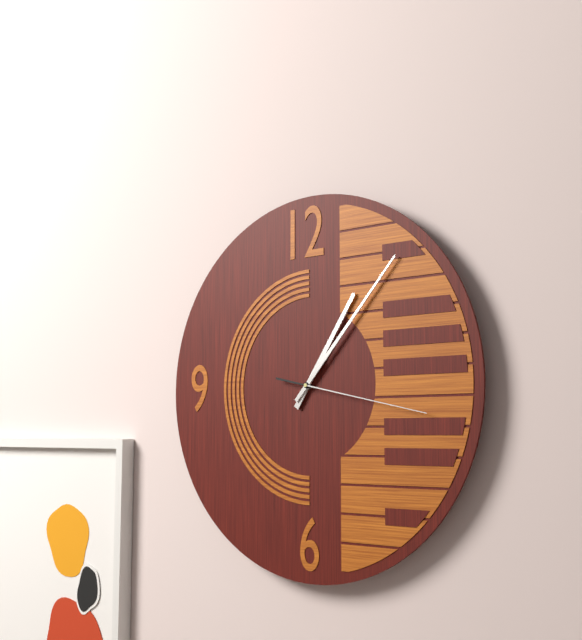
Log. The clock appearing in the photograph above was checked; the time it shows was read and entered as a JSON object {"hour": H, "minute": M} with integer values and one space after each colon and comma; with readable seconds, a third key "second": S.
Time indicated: {"hour": 1, "minute": 7, "second": 17}
